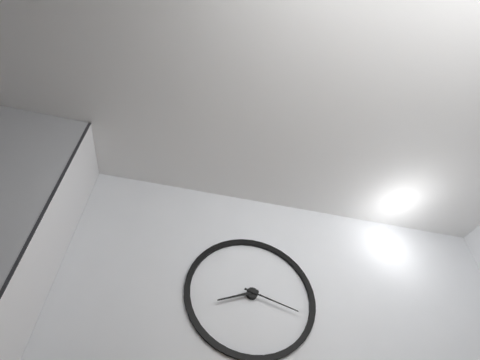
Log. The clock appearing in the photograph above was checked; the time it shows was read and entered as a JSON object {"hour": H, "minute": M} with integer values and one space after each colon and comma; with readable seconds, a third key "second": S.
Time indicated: {"hour": 8, "minute": 18}
